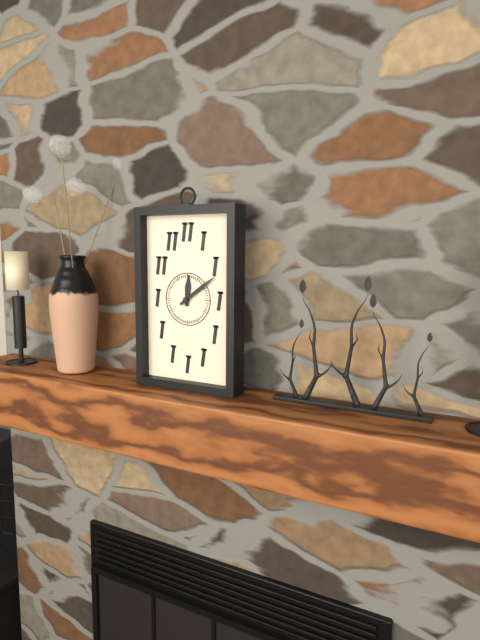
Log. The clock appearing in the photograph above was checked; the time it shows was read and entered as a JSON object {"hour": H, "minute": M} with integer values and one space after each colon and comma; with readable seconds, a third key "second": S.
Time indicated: {"hour": 12, "minute": 9}
